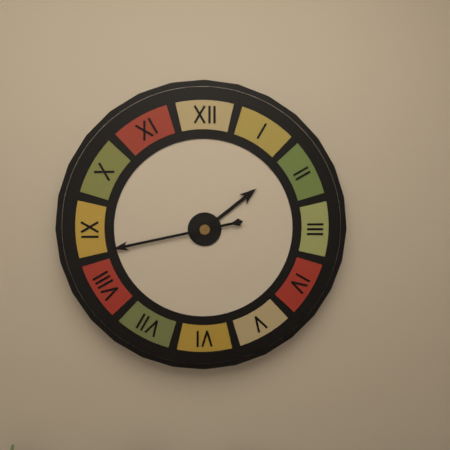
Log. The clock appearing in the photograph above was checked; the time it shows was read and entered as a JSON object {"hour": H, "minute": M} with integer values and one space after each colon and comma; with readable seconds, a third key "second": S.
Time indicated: {"hour": 1, "minute": 43}
